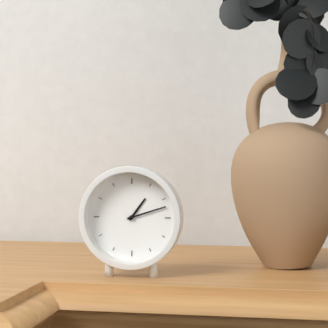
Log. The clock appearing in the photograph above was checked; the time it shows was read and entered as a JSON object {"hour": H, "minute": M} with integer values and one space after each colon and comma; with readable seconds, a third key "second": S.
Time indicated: {"hour": 1, "minute": 12}
